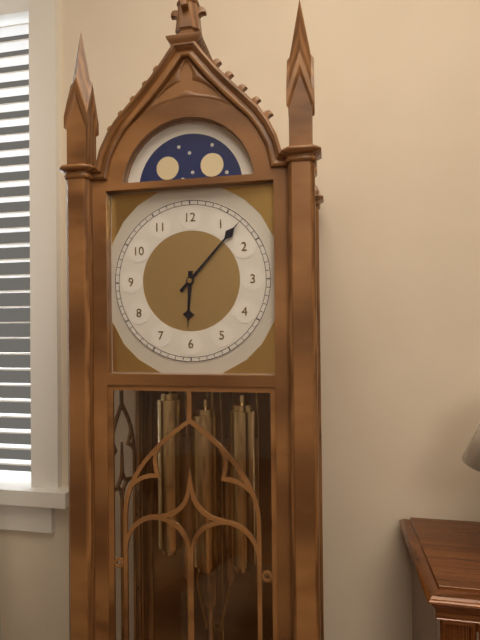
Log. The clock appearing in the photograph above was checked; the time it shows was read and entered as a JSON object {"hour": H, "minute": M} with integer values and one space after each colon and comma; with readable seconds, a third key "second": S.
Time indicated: {"hour": 6, "minute": 7}
